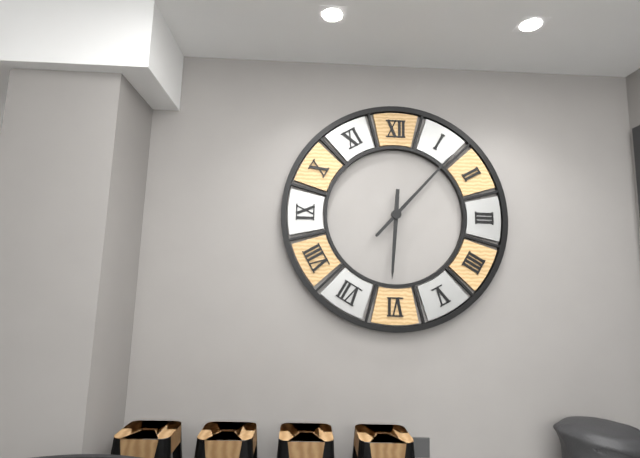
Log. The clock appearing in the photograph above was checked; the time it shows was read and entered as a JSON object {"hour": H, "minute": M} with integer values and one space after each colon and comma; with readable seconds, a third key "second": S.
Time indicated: {"hour": 6, "minute": 7}
